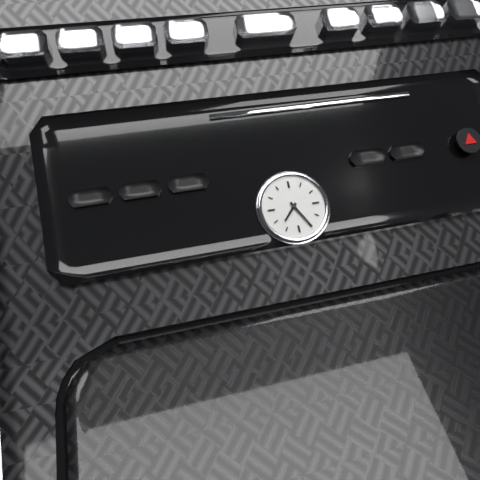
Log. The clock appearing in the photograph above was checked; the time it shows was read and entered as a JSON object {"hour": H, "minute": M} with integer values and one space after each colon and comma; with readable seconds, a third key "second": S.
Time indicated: {"hour": 7, "minute": 25}
